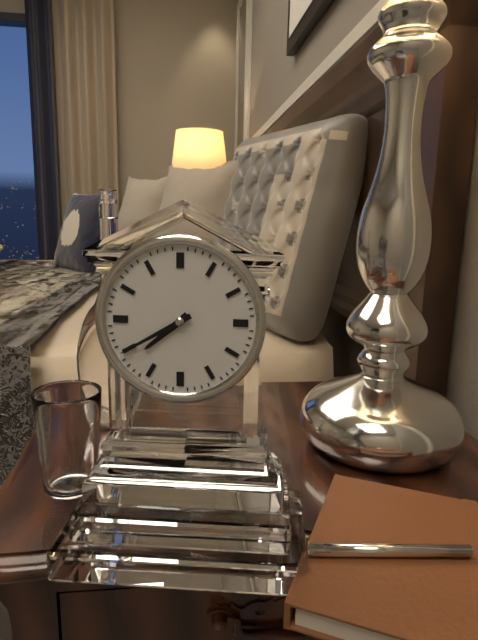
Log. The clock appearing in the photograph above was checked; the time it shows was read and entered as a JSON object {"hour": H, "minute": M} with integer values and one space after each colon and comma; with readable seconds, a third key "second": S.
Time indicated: {"hour": 7, "minute": 40}
